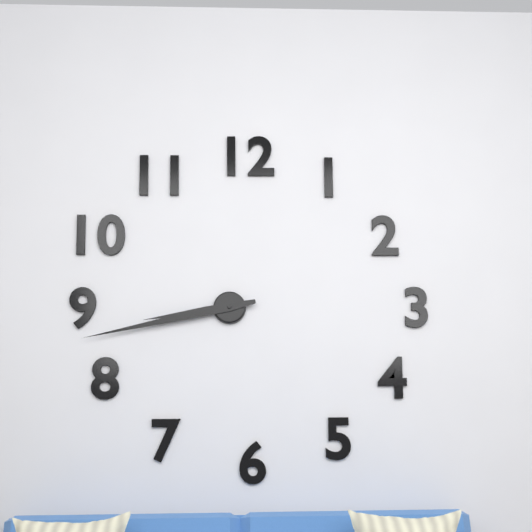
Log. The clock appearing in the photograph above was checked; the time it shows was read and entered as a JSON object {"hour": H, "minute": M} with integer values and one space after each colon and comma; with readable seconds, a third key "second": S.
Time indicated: {"hour": 8, "minute": 43}
